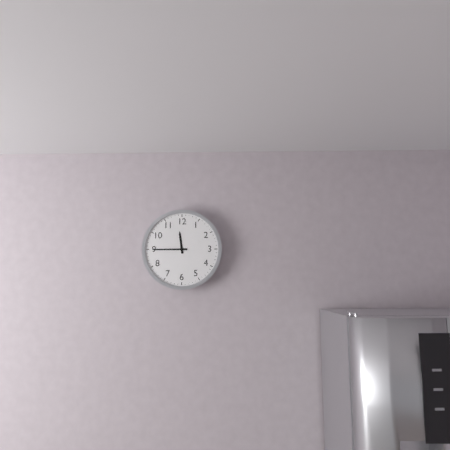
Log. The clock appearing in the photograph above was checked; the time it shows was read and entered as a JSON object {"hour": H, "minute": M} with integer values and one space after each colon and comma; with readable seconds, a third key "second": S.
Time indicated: {"hour": 11, "minute": 45}
